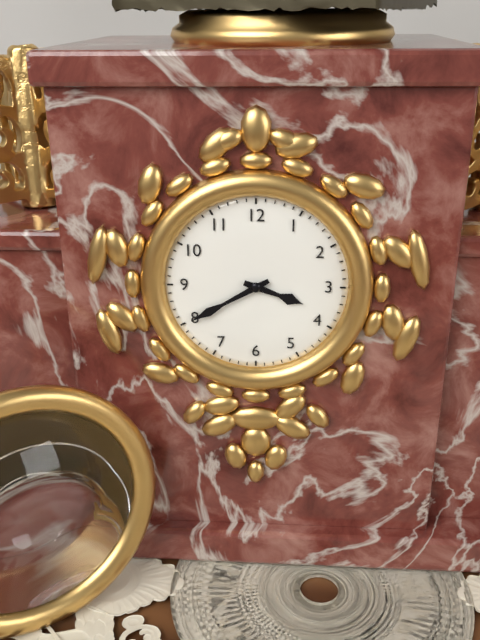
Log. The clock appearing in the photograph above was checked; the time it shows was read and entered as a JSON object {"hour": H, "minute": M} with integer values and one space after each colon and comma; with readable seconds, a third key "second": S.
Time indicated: {"hour": 3, "minute": 40}
